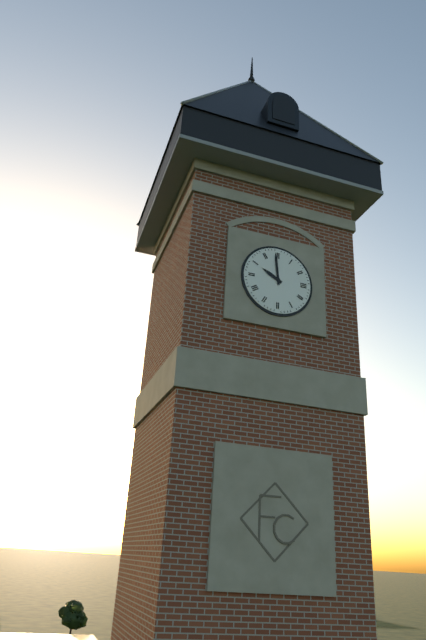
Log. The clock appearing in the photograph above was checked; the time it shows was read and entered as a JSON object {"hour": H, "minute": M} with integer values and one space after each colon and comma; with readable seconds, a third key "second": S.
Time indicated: {"hour": 9, "minute": 59}
